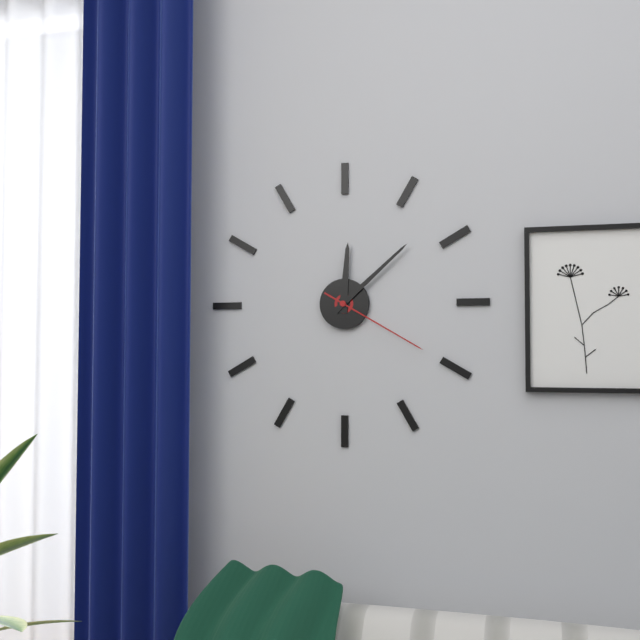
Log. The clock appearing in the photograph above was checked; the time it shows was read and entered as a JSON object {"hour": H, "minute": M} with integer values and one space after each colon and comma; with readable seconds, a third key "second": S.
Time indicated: {"hour": 12, "minute": 8, "second": 20}
